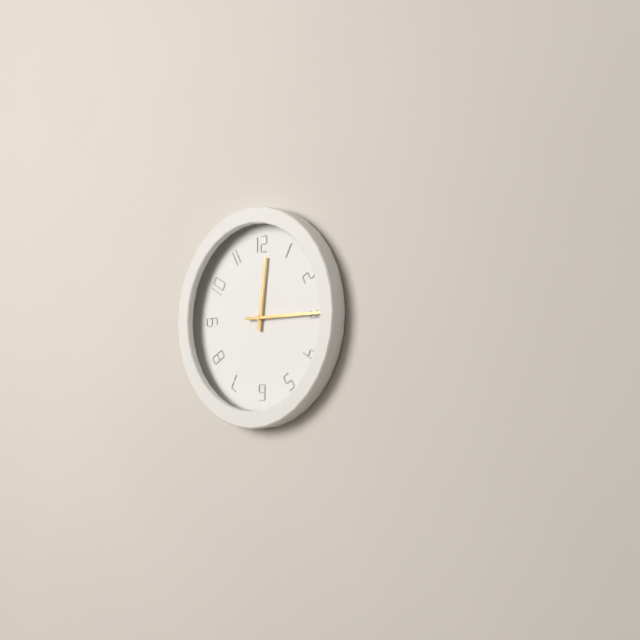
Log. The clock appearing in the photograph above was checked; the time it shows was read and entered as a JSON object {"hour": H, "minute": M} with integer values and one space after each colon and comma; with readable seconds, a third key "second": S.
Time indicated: {"hour": 12, "minute": 15}
